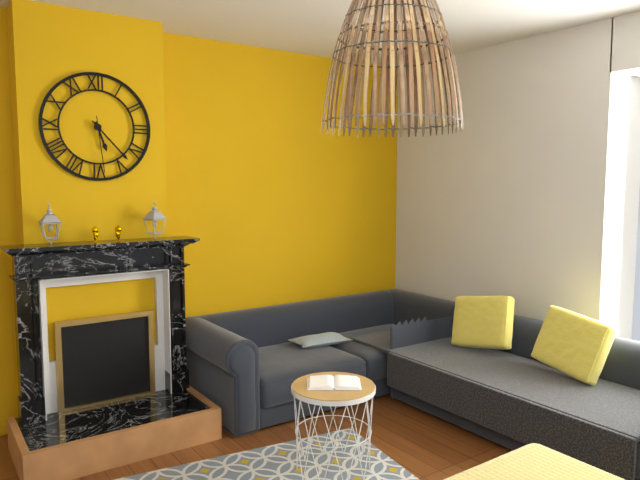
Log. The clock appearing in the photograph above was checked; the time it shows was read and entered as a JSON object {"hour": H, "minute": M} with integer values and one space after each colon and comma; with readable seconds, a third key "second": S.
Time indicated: {"hour": 5, "minute": 23, "second": 29}
